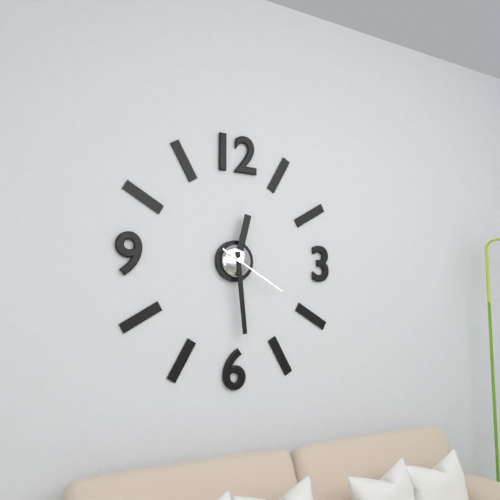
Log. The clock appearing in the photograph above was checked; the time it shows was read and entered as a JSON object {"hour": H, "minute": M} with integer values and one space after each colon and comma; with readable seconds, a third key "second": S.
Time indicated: {"hour": 12, "minute": 29, "second": 20}
